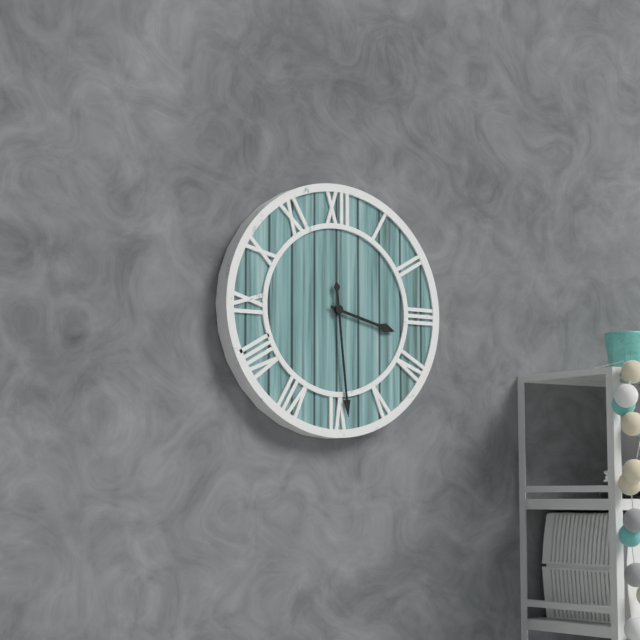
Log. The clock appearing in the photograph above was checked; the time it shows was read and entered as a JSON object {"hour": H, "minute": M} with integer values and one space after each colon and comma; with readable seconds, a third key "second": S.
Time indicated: {"hour": 3, "minute": 29}
